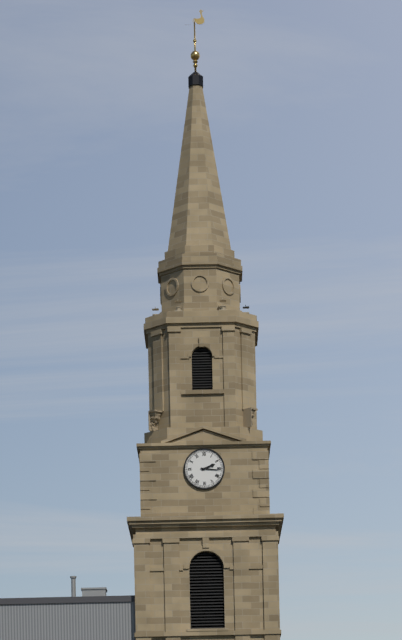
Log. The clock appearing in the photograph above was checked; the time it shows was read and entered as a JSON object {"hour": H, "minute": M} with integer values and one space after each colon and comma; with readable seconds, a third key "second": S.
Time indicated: {"hour": 2, "minute": 16}
